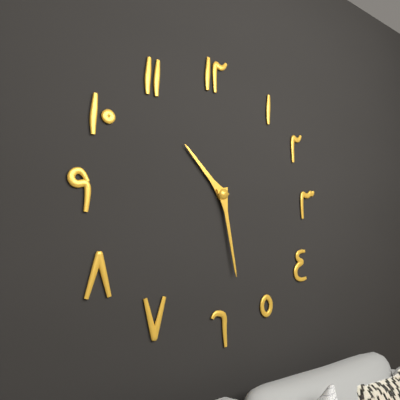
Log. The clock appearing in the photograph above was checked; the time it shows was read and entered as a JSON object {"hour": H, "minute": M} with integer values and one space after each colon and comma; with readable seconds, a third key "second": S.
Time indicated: {"hour": 10, "minute": 28}
